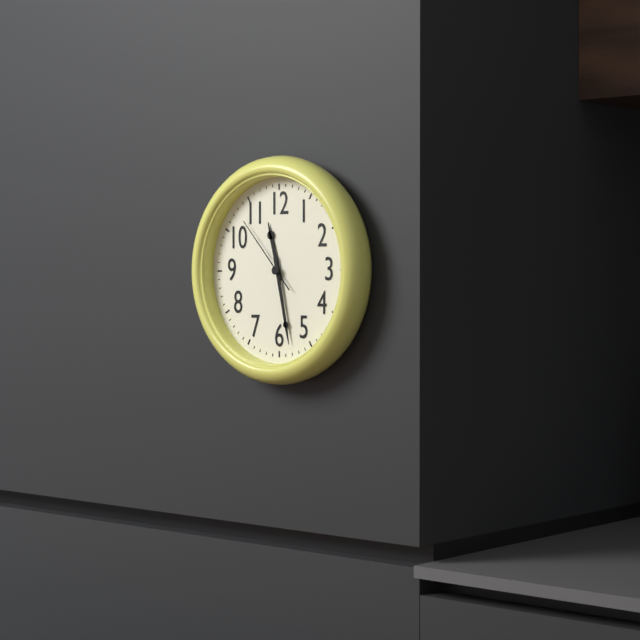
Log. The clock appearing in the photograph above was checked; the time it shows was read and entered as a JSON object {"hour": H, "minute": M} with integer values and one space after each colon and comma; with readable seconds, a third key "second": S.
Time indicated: {"hour": 11, "minute": 28, "second": 53}
